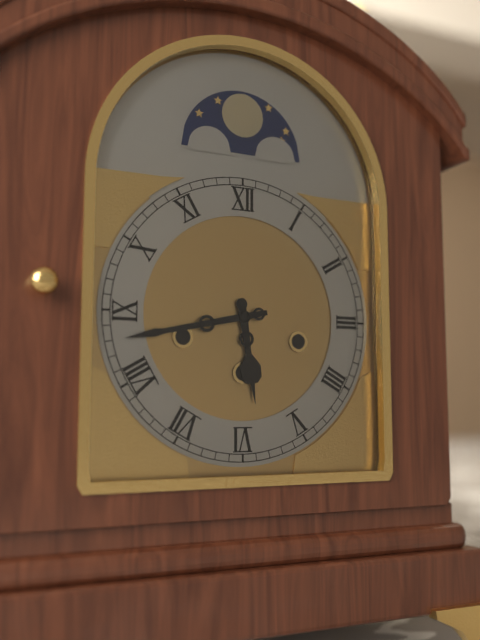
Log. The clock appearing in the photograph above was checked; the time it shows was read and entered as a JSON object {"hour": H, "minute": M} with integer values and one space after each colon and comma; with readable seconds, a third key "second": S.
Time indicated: {"hour": 5, "minute": 43}
